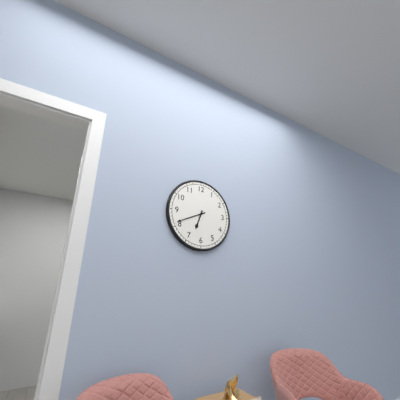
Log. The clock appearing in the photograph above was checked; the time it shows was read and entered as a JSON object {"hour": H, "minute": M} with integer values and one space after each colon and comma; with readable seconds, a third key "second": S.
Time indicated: {"hour": 6, "minute": 41}
